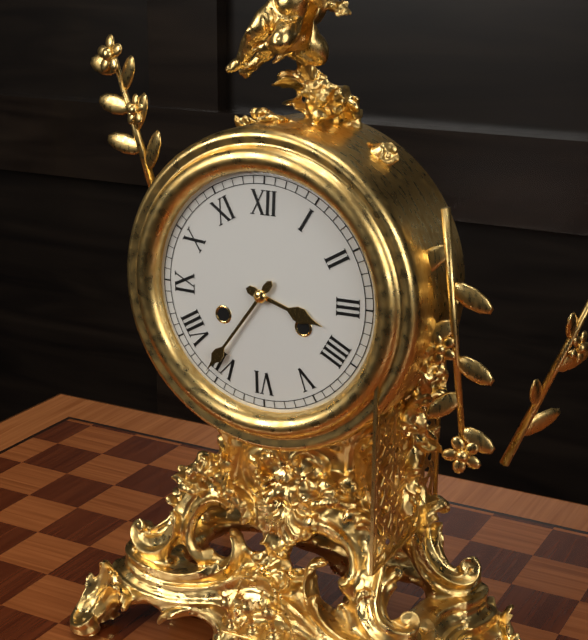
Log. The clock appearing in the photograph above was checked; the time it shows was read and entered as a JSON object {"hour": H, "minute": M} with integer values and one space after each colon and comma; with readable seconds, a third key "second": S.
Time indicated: {"hour": 3, "minute": 36}
